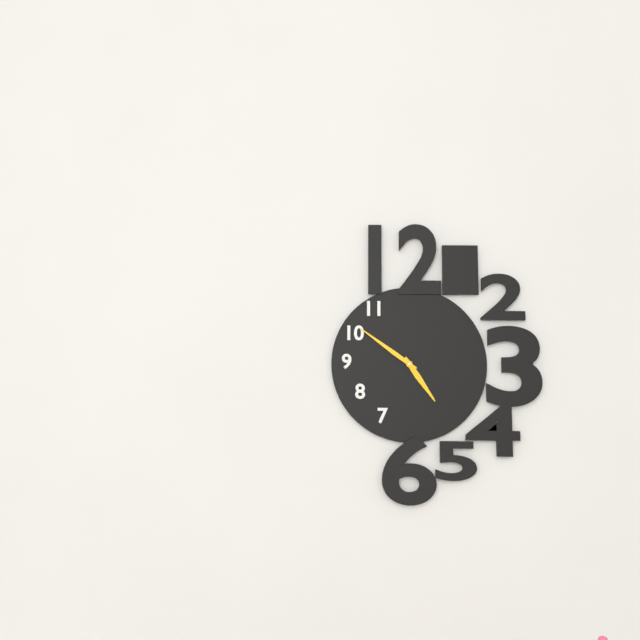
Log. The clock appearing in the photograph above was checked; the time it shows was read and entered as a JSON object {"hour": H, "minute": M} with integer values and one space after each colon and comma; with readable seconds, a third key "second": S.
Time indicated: {"hour": 4, "minute": 51}
